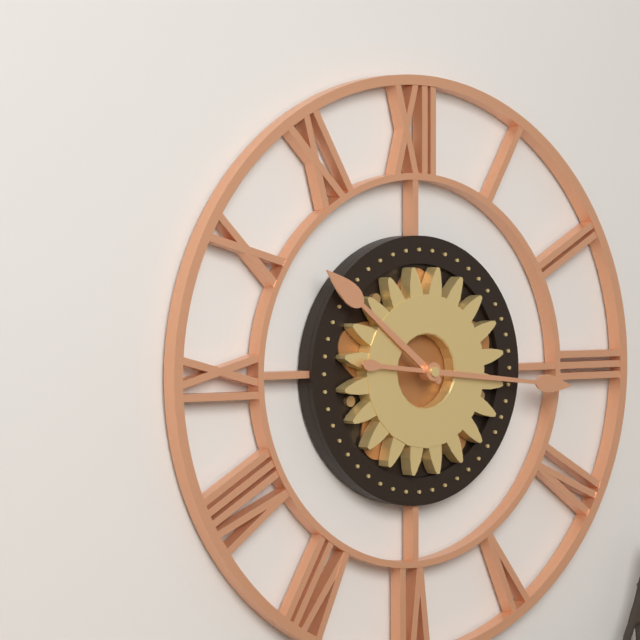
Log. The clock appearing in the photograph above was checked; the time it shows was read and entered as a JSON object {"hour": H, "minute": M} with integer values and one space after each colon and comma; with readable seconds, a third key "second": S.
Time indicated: {"hour": 10, "minute": 16}
